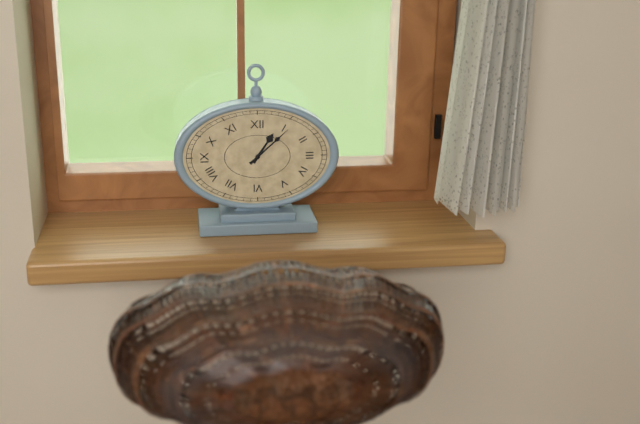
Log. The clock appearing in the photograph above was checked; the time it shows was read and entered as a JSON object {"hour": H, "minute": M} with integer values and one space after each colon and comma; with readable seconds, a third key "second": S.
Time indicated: {"hour": 1, "minute": 8}
